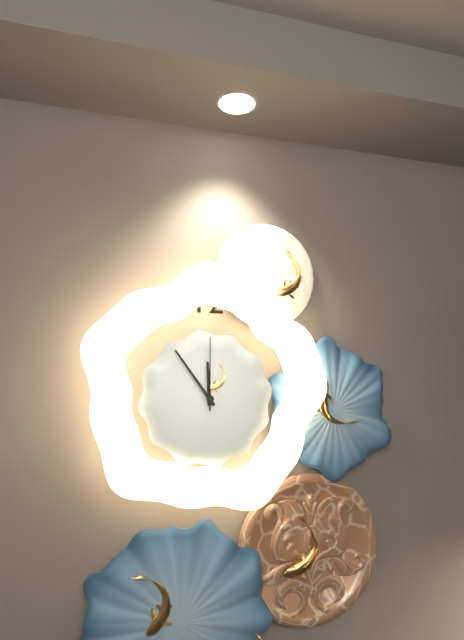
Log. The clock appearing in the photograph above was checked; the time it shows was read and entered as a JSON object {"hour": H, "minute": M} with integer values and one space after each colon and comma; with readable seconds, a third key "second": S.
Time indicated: {"hour": 11, "minute": 54, "second": 0}
